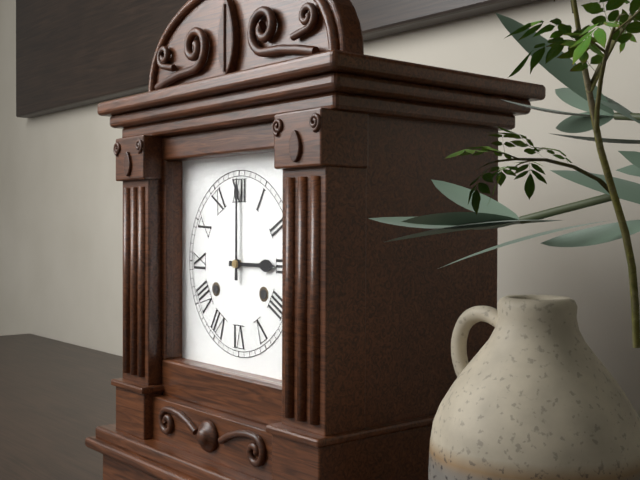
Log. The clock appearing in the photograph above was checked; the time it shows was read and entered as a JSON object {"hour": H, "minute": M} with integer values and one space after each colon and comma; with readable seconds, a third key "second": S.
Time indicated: {"hour": 3, "minute": 0}
